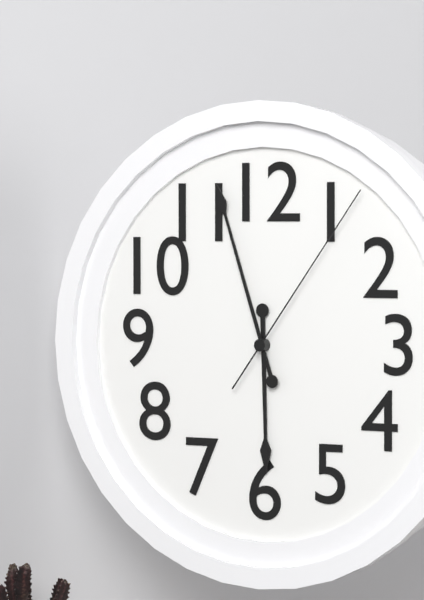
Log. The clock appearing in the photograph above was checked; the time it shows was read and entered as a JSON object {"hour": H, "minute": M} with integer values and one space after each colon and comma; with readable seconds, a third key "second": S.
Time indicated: {"hour": 5, "minute": 57, "second": 6}
